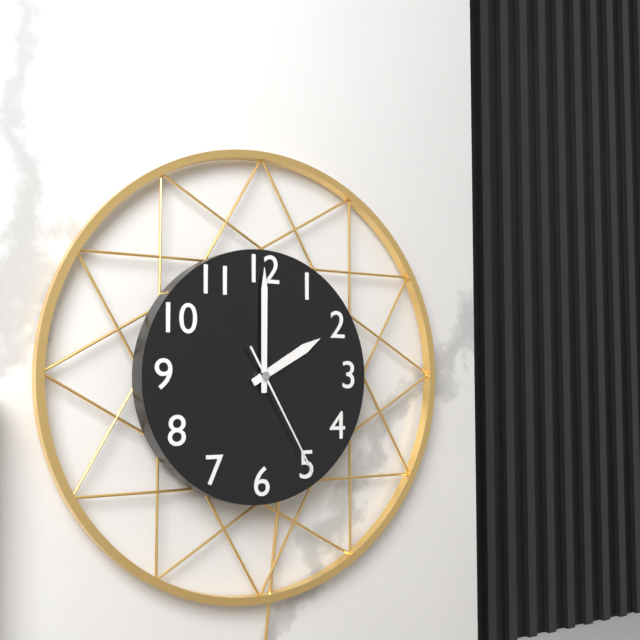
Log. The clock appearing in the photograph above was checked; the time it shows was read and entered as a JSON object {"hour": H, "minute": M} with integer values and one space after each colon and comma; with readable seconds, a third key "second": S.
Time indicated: {"hour": 2, "minute": 0, "second": 25}
